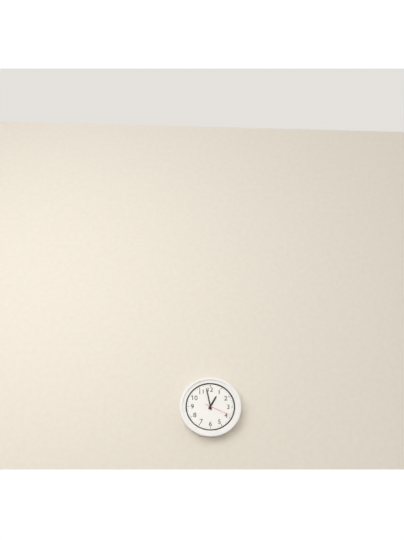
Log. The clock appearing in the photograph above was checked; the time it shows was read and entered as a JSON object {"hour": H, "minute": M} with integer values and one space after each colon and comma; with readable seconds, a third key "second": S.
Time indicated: {"hour": 12, "minute": 58}
